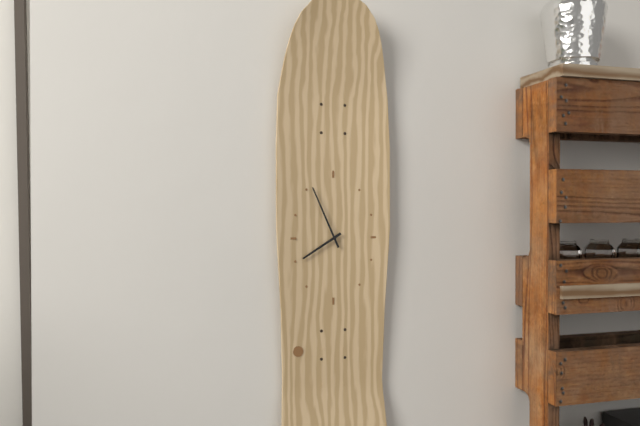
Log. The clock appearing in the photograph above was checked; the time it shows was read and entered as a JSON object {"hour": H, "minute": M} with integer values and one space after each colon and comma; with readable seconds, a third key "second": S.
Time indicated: {"hour": 7, "minute": 56}
